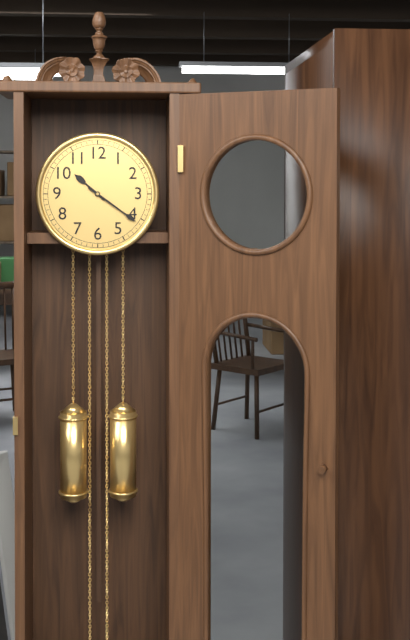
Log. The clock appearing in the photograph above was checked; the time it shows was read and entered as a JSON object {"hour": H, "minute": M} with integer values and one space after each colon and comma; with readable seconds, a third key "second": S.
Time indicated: {"hour": 10, "minute": 21}
